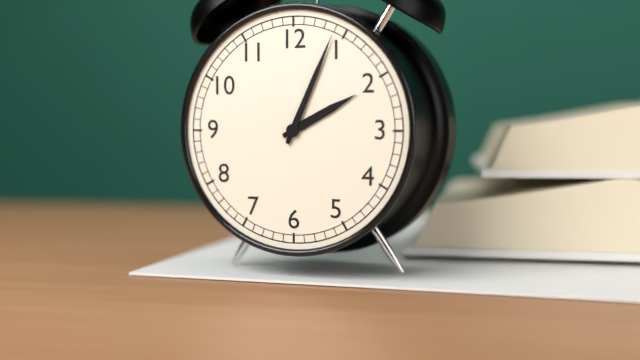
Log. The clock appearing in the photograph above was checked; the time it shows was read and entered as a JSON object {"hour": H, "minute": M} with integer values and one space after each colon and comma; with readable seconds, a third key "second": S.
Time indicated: {"hour": 2, "minute": 4}
